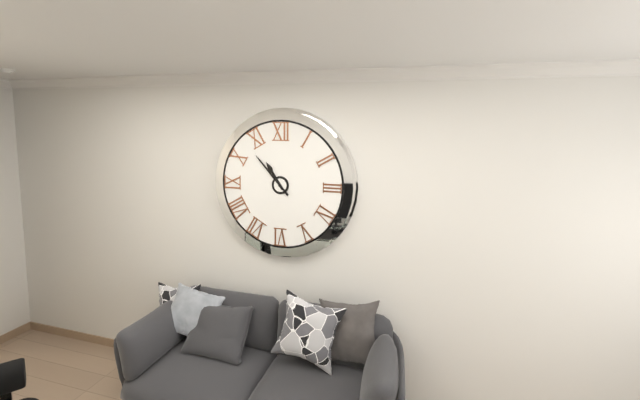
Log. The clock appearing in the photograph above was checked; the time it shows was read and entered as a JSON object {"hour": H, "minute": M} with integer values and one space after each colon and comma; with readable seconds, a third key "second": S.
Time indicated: {"hour": 10, "minute": 53}
